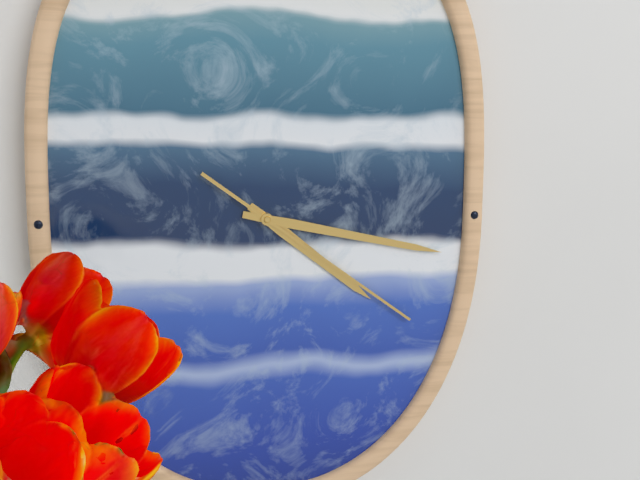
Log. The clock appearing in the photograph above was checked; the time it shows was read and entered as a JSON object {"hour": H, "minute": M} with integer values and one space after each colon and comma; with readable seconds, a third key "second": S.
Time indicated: {"hour": 4, "minute": 17, "second": 21}
